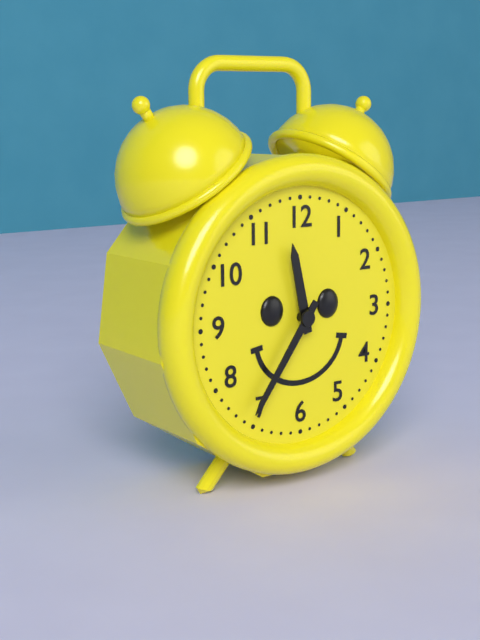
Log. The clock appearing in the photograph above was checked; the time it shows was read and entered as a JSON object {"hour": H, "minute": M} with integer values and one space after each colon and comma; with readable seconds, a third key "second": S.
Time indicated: {"hour": 11, "minute": 36}
